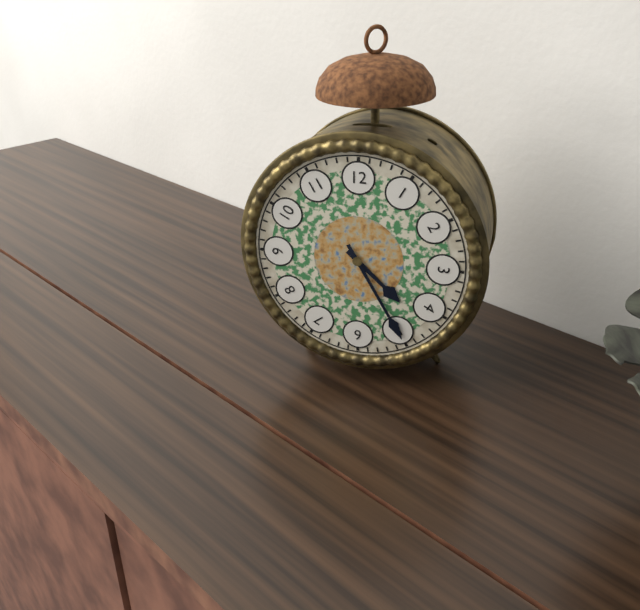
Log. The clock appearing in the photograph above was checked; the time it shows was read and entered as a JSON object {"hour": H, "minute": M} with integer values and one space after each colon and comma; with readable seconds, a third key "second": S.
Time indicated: {"hour": 4, "minute": 25}
